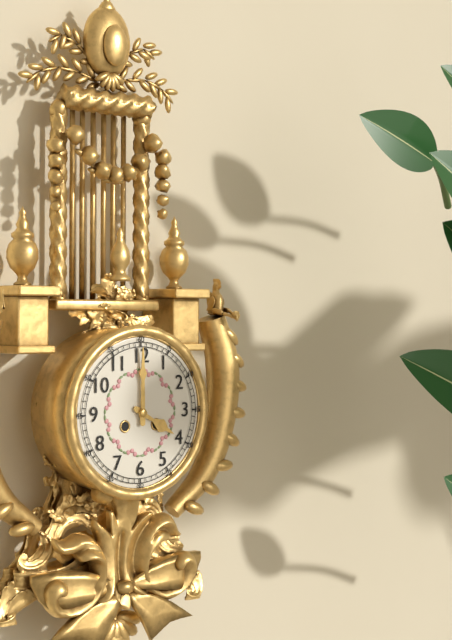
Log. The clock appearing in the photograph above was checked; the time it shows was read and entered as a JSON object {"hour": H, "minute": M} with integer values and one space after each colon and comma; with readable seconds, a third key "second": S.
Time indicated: {"hour": 4, "minute": 0}
